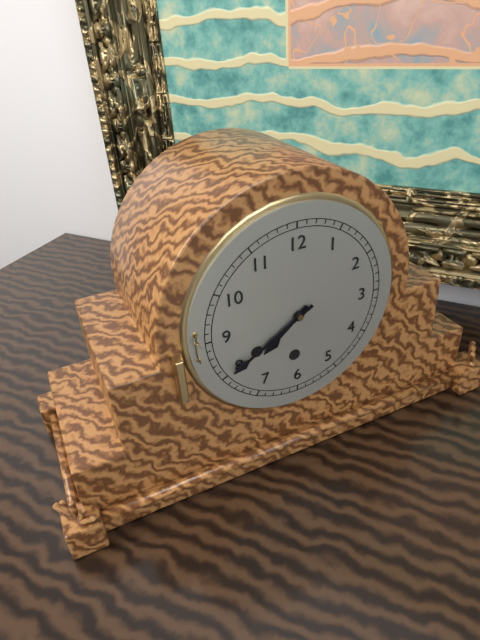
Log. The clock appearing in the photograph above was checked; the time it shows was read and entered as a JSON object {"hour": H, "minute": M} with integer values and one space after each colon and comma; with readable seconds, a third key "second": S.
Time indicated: {"hour": 7, "minute": 40}
